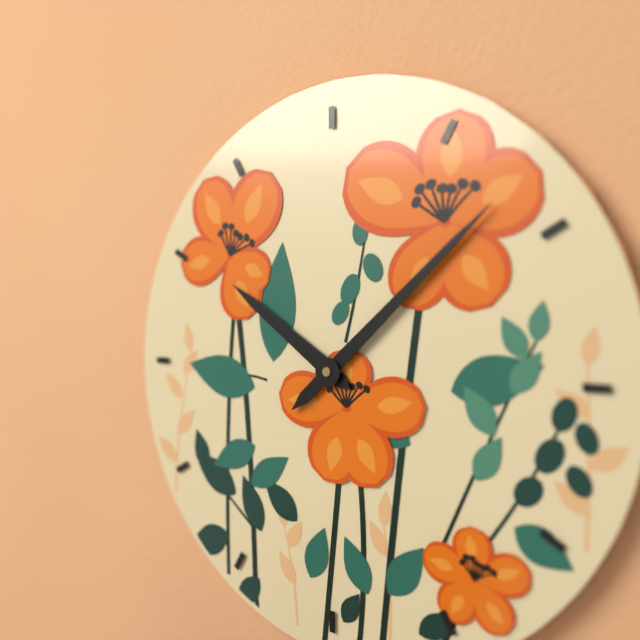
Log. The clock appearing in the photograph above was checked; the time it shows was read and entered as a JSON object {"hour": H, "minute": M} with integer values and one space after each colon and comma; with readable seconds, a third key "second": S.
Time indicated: {"hour": 10, "minute": 8}
